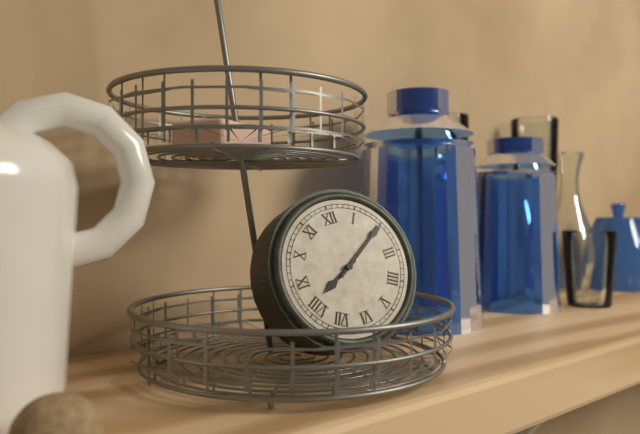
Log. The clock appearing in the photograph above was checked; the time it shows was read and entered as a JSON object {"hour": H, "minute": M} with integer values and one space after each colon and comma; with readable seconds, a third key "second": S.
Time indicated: {"hour": 8, "minute": 10}
